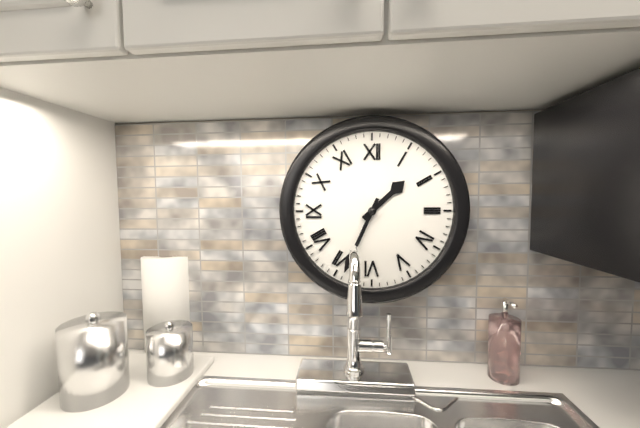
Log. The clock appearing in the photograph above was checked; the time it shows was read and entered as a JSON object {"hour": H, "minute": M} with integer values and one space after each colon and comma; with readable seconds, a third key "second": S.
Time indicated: {"hour": 1, "minute": 34}
